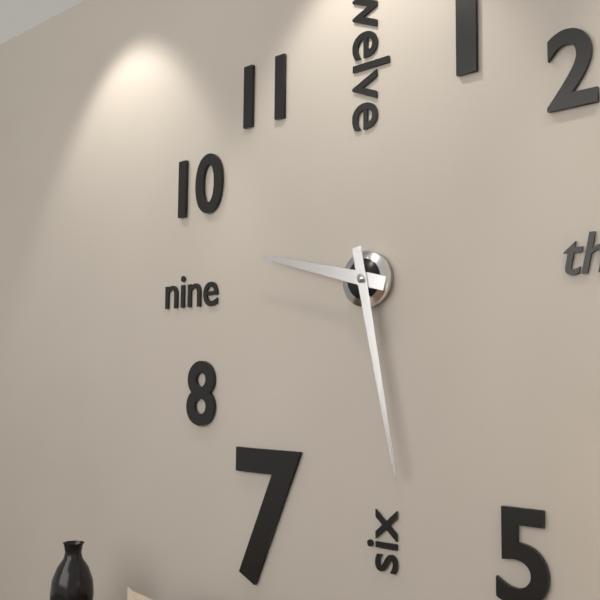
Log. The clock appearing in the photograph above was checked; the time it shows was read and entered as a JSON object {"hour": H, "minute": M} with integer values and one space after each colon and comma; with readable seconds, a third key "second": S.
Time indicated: {"hour": 9, "minute": 28}
